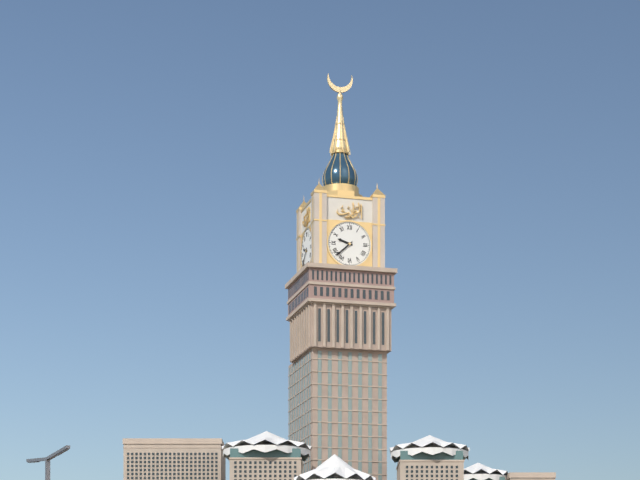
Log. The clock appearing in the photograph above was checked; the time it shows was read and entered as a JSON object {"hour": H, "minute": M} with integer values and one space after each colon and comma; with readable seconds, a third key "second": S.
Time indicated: {"hour": 9, "minute": 38}
